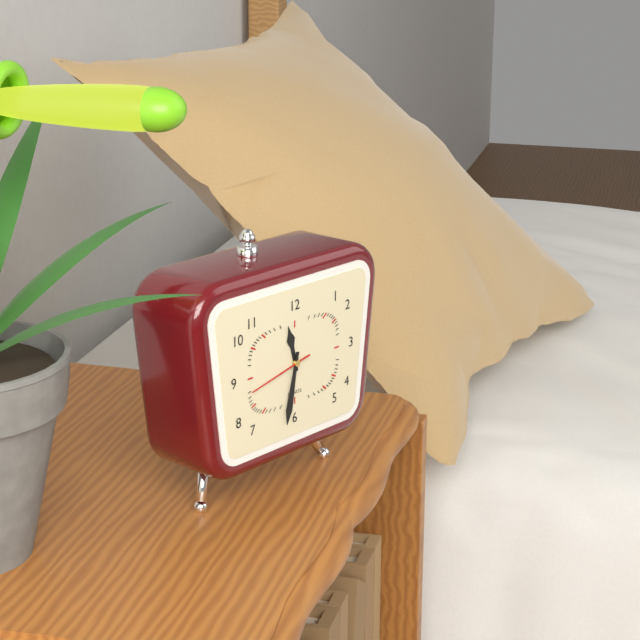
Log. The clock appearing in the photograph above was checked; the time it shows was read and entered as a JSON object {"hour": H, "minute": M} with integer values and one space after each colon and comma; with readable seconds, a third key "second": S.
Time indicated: {"hour": 11, "minute": 32, "second": 43}
